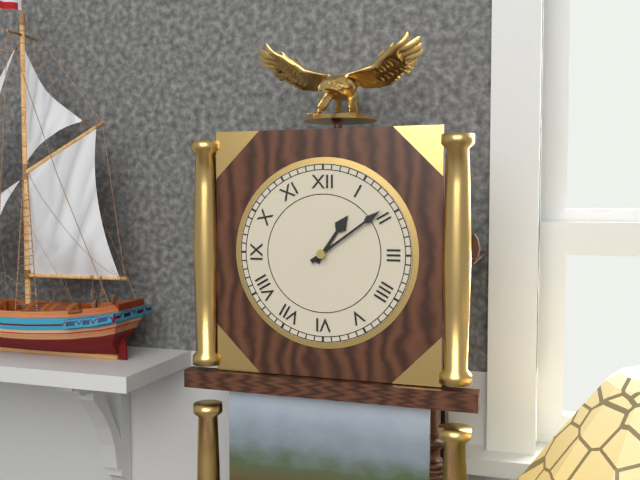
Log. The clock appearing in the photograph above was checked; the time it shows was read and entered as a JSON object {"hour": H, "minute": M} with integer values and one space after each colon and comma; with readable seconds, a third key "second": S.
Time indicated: {"hour": 1, "minute": 9}
